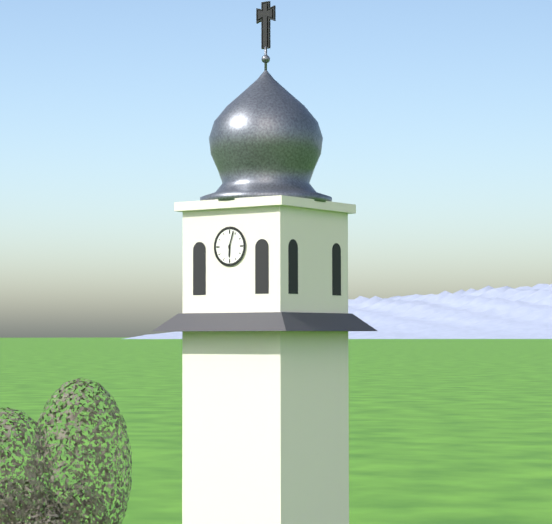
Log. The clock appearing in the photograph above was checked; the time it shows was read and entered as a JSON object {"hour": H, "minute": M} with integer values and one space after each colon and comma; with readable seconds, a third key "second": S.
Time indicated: {"hour": 6, "minute": 3}
